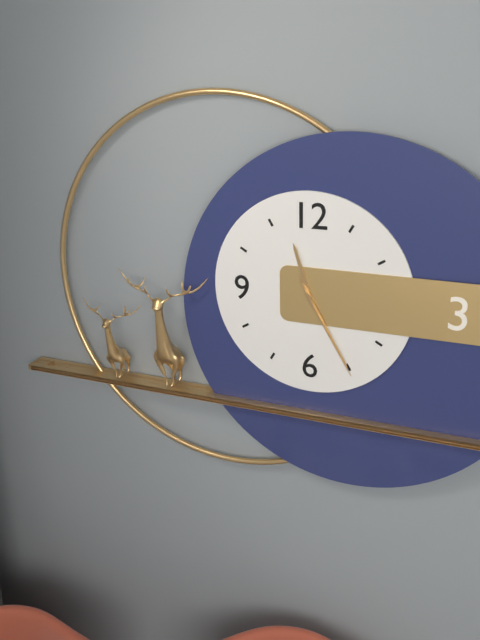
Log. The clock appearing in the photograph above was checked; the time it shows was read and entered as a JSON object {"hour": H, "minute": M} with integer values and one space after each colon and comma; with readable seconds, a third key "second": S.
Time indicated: {"hour": 11, "minute": 25, "second": 25}
